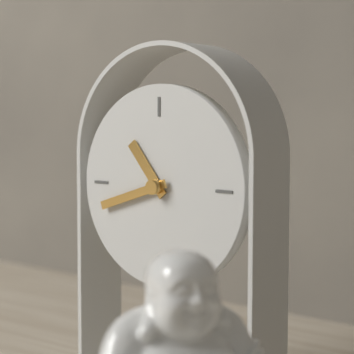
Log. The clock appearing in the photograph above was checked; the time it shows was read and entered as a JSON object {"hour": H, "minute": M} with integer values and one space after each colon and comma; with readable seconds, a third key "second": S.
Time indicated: {"hour": 10, "minute": 42}
